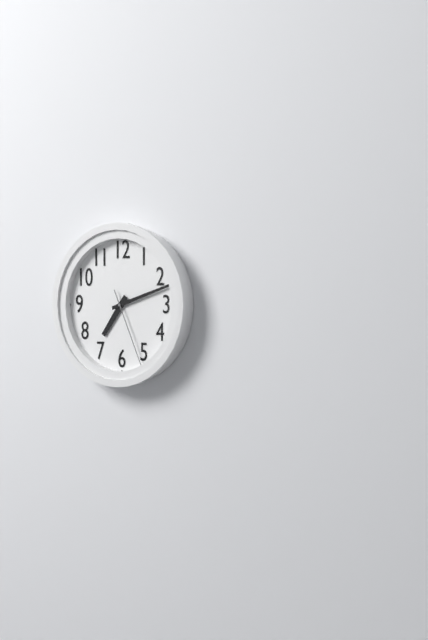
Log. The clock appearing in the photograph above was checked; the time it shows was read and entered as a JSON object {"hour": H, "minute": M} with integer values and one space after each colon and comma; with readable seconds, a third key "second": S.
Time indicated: {"hour": 7, "minute": 12, "second": 26}
